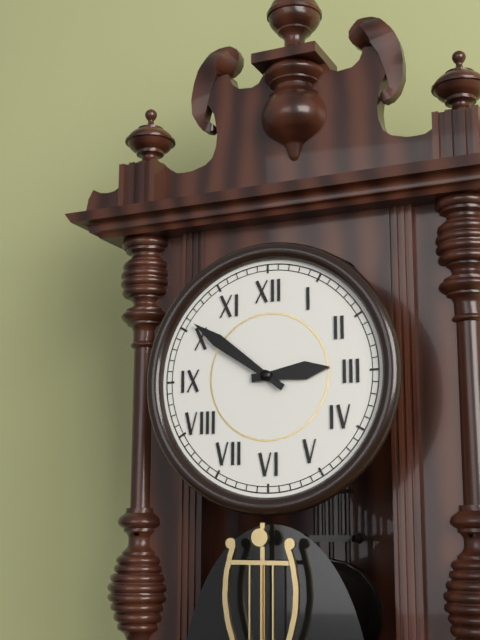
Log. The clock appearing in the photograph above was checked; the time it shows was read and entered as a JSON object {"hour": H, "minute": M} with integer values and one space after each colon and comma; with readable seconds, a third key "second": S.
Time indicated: {"hour": 2, "minute": 51}
